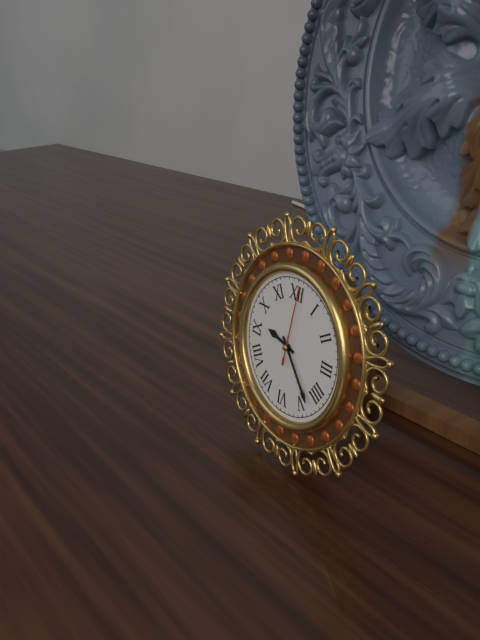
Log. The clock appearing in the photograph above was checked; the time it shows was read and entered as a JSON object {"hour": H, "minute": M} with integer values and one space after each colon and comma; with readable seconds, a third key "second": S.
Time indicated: {"hour": 9, "minute": 23, "second": 1}
